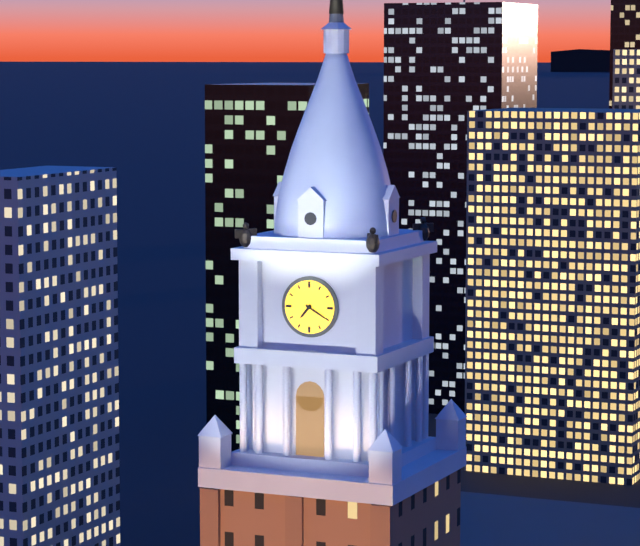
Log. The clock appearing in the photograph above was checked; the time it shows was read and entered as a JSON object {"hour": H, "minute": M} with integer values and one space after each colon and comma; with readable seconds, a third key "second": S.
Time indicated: {"hour": 7, "minute": 20}
